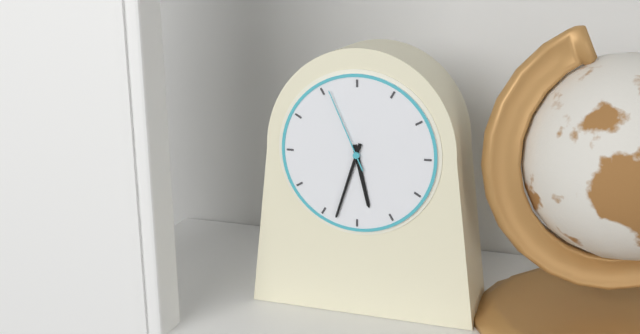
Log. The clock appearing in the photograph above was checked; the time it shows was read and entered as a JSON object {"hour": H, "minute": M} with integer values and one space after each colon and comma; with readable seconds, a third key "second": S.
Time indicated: {"hour": 5, "minute": 33, "second": 56}
